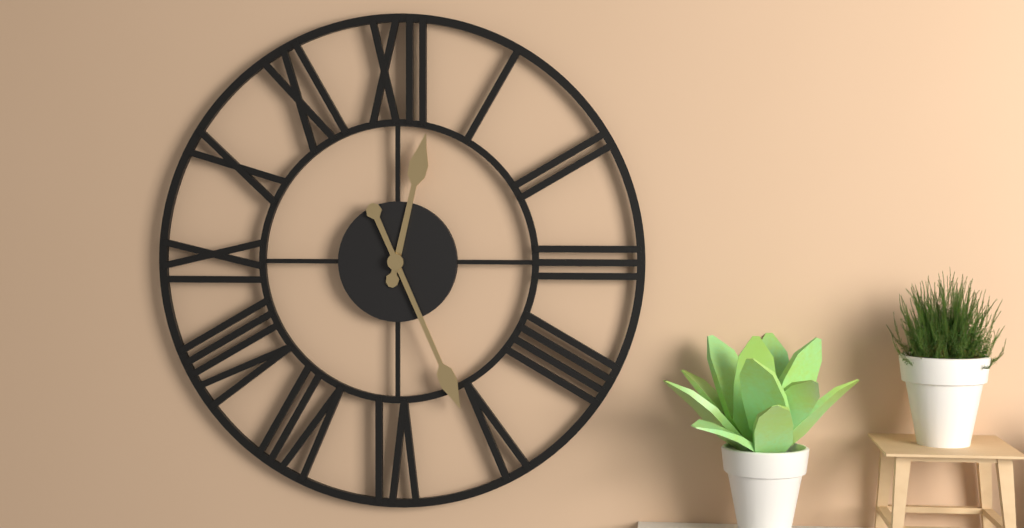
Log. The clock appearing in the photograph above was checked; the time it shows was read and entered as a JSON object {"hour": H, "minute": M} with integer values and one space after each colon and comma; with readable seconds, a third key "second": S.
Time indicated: {"hour": 12, "minute": 26}
